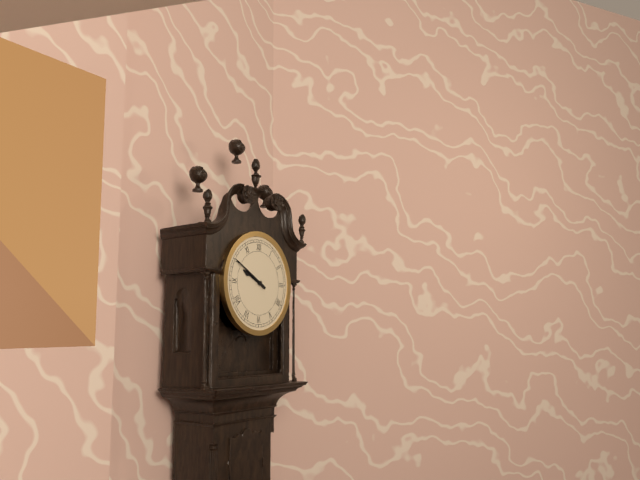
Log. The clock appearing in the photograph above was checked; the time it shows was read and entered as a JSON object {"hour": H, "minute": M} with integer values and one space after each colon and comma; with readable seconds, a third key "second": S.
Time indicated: {"hour": 9, "minute": 50}
